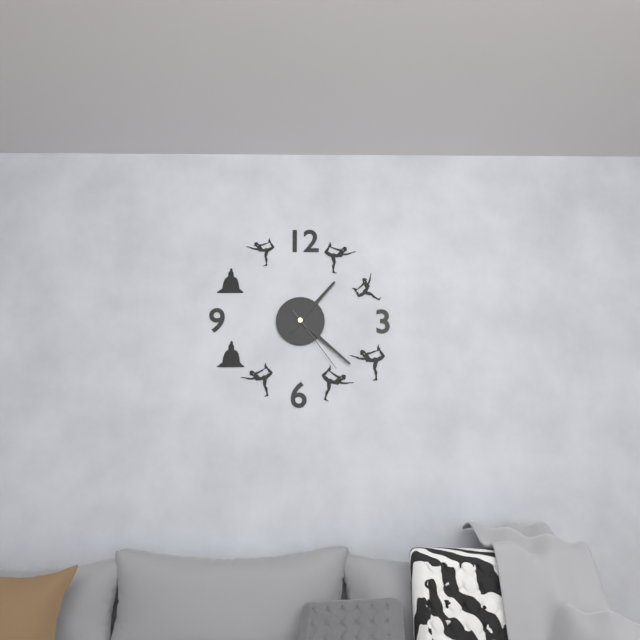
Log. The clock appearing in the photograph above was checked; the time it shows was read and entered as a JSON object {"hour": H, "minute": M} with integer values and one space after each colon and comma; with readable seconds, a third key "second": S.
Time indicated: {"hour": 1, "minute": 22, "second": 24}
